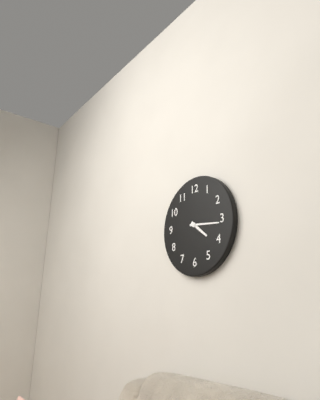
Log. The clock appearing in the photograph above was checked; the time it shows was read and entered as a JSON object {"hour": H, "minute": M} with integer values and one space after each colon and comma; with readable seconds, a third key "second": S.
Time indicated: {"hour": 4, "minute": 16}
